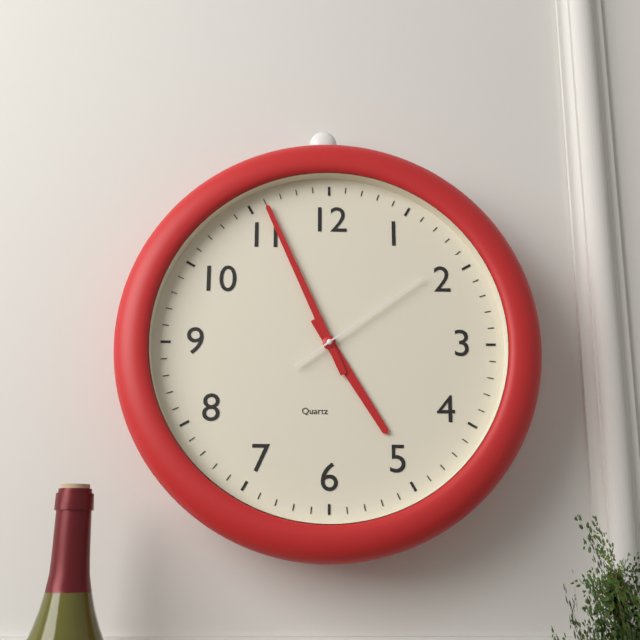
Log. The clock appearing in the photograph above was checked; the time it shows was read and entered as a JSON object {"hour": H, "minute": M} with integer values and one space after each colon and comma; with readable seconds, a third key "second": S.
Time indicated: {"hour": 4, "minute": 56, "second": 9}
